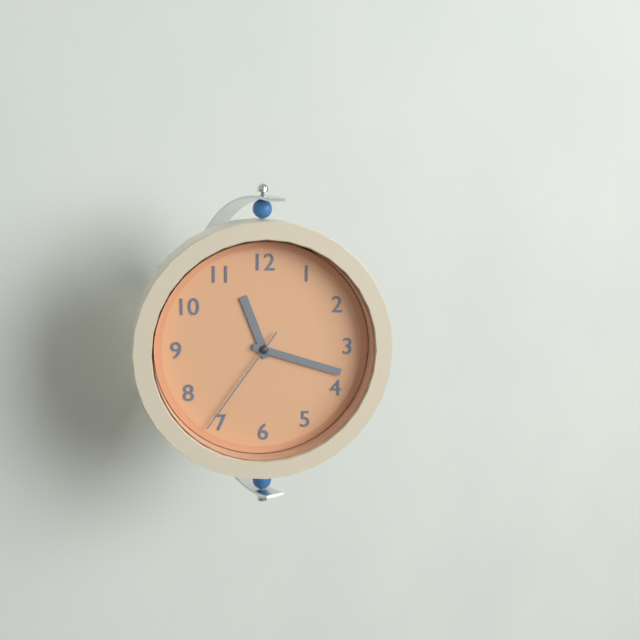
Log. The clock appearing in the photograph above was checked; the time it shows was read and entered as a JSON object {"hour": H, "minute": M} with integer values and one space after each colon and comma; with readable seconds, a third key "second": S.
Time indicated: {"hour": 11, "minute": 18, "second": 36}
